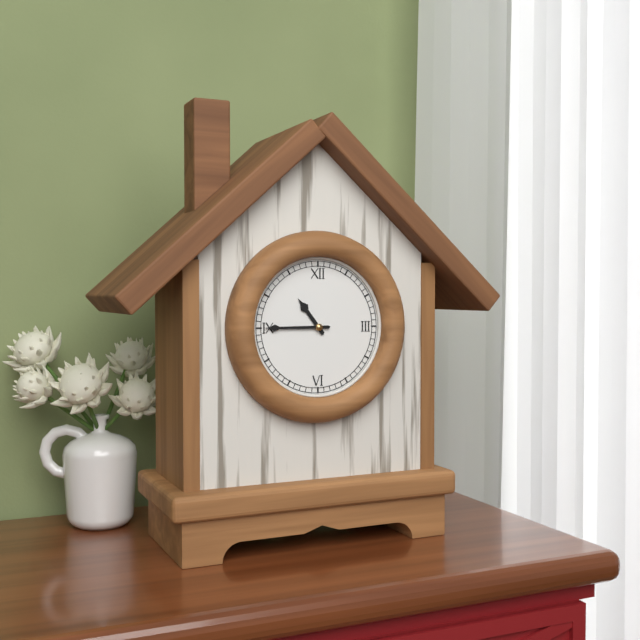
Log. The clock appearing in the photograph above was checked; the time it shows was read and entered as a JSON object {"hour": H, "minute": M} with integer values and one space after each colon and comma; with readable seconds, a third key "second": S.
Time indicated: {"hour": 10, "minute": 45}
